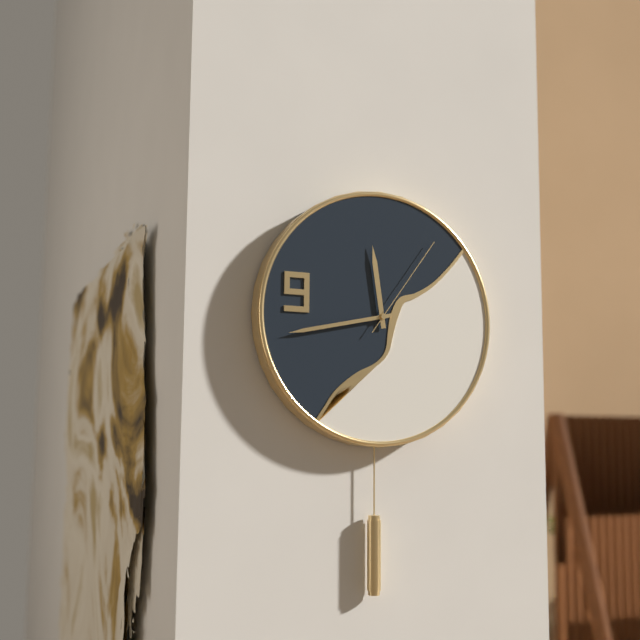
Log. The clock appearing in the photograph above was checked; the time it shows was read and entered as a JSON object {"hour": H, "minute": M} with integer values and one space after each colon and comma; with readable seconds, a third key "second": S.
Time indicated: {"hour": 11, "minute": 43, "second": 6}
